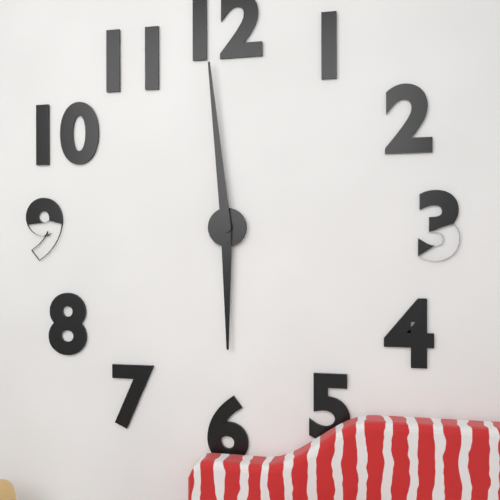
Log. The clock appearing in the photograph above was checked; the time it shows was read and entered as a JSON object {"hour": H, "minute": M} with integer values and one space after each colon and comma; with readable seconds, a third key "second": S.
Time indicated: {"hour": 5, "minute": 59}
